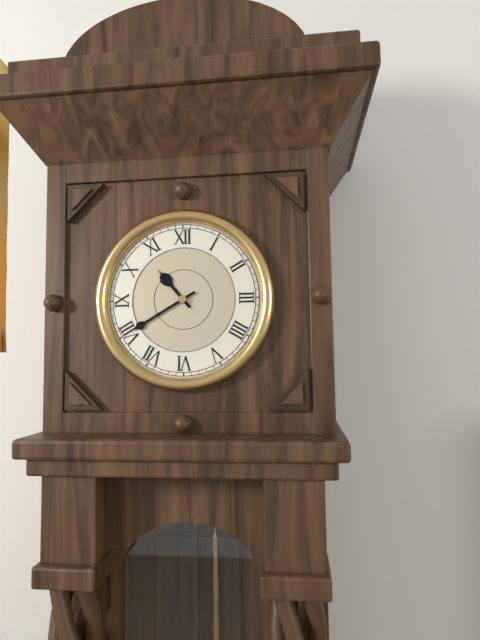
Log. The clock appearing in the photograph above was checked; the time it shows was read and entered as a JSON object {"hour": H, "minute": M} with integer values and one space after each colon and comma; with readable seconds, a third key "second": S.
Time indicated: {"hour": 10, "minute": 40}
